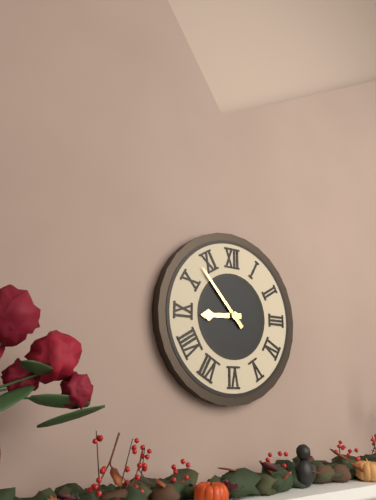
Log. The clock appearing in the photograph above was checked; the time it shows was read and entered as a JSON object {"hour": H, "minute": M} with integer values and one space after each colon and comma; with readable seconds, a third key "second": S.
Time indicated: {"hour": 8, "minute": 53}
